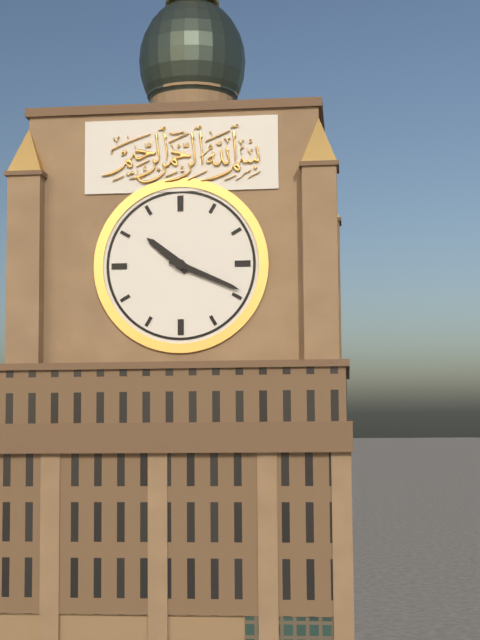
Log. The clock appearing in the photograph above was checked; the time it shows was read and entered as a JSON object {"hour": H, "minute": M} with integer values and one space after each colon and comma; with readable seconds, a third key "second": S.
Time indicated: {"hour": 10, "minute": 19}
